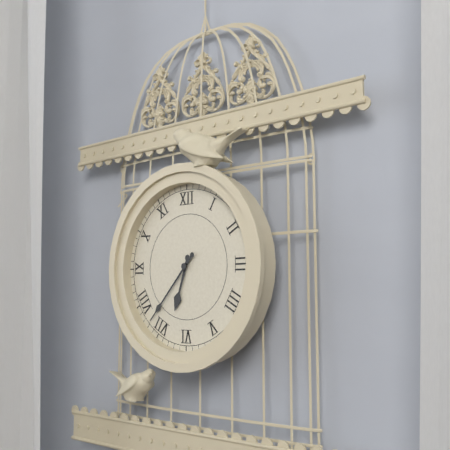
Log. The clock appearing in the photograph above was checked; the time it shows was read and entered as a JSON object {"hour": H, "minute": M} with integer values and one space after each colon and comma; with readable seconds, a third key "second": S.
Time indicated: {"hour": 6, "minute": 37}
